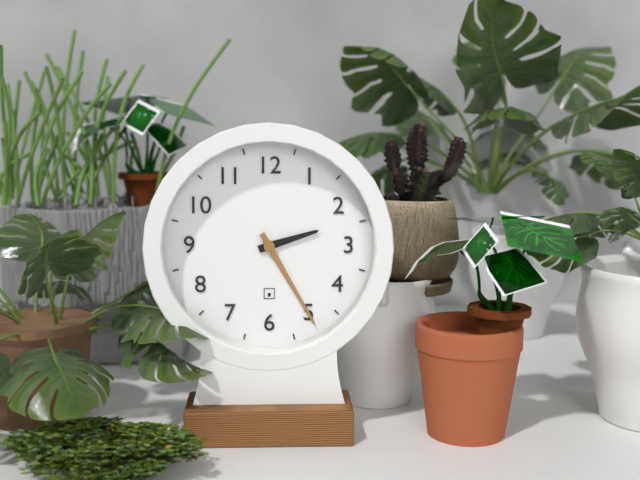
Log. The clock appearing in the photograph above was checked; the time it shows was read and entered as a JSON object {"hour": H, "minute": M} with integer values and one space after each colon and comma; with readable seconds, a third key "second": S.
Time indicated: {"hour": 2, "minute": 25}
